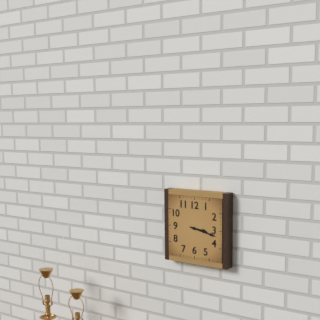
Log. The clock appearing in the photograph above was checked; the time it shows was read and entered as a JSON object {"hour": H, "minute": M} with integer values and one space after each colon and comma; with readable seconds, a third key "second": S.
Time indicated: {"hour": 3, "minute": 17}
